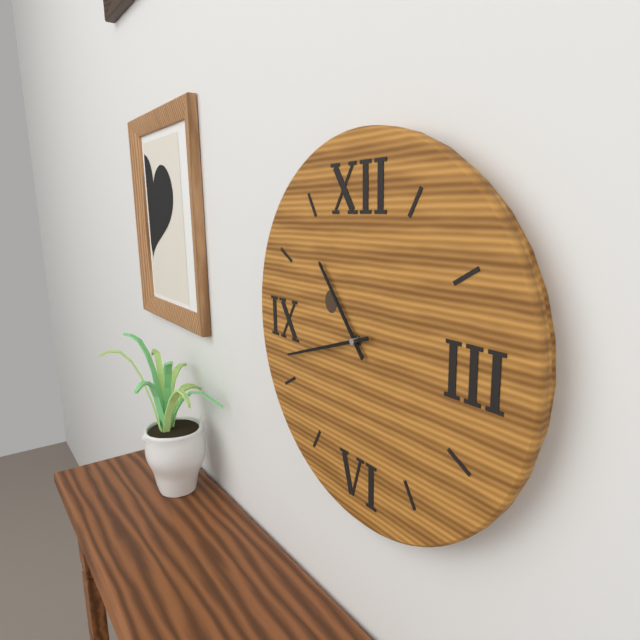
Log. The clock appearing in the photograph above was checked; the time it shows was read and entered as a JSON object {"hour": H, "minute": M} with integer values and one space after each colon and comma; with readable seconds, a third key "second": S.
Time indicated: {"hour": 10, "minute": 42}
